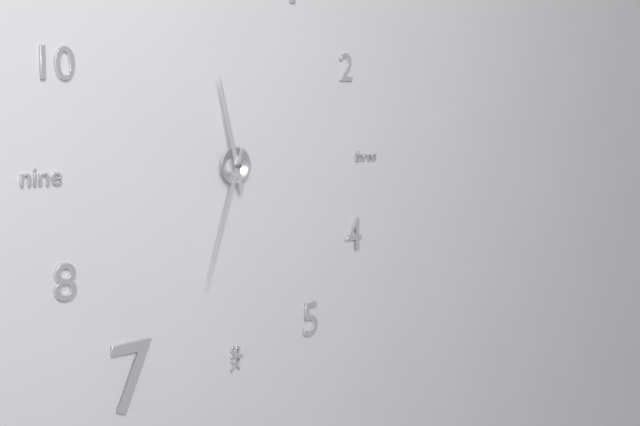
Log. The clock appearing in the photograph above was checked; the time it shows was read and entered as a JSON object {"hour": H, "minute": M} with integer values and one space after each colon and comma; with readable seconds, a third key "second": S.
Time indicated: {"hour": 11, "minute": 33}
